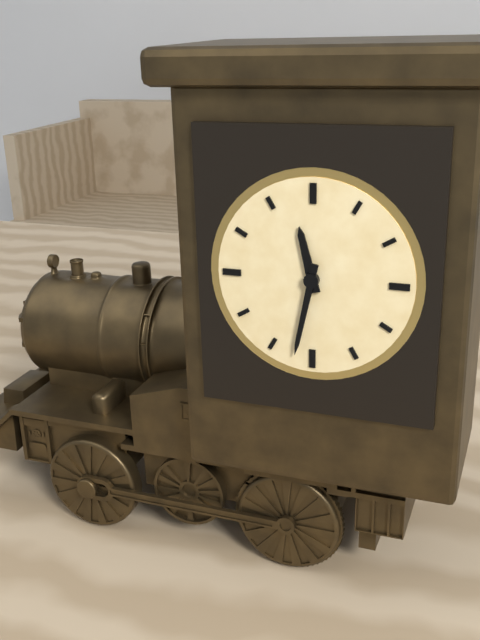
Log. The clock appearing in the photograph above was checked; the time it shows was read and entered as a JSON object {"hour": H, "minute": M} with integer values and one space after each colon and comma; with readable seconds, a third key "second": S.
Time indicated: {"hour": 11, "minute": 32}
